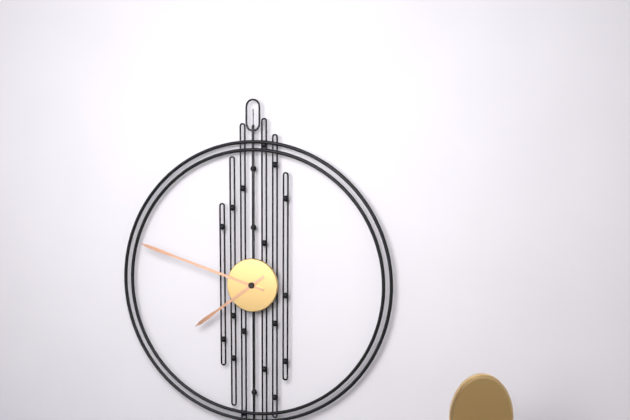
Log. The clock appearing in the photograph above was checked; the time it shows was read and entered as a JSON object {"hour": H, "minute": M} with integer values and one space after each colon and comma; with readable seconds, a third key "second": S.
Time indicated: {"hour": 7, "minute": 48}
